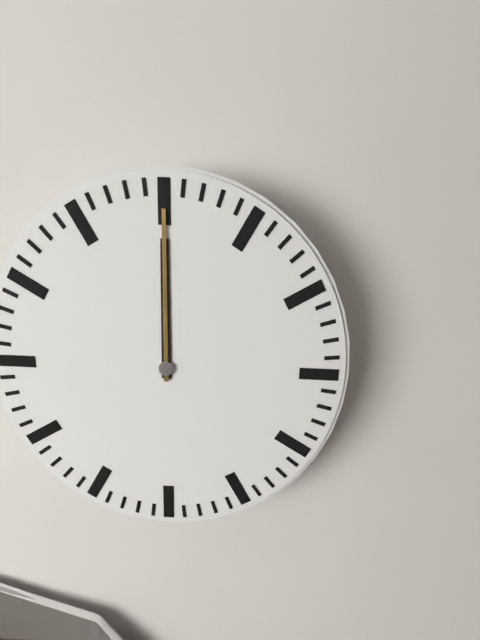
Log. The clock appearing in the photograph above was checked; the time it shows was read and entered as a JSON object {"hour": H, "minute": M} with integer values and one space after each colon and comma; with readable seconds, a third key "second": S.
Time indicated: {"hour": 12, "minute": 0}
